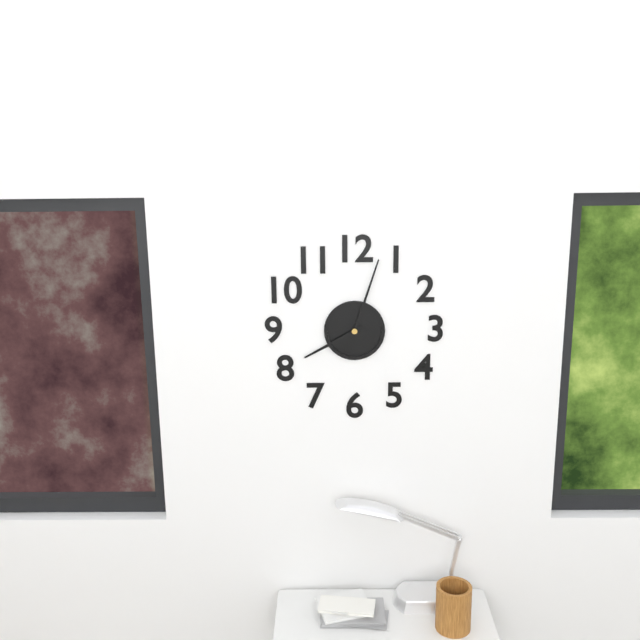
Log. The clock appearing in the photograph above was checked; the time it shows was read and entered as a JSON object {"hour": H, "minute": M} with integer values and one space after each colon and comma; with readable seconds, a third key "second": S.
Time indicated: {"hour": 8, "minute": 3}
